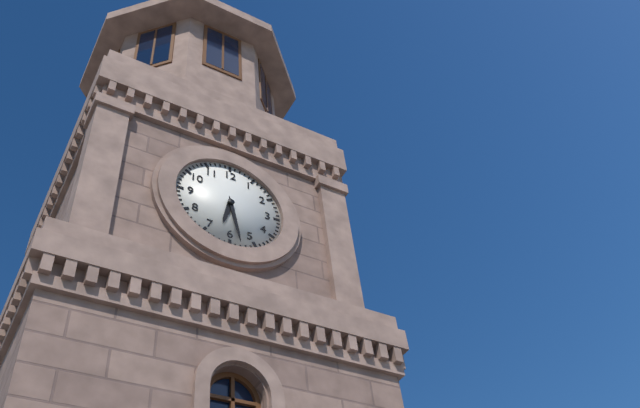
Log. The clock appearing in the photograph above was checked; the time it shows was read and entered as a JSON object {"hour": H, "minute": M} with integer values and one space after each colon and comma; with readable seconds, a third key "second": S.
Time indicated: {"hour": 6, "minute": 28}
